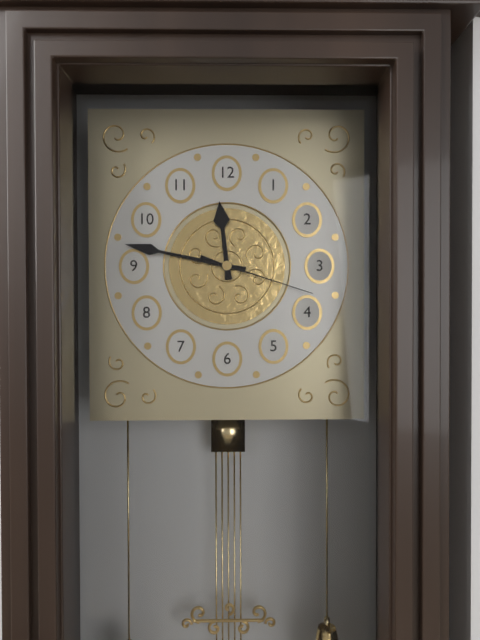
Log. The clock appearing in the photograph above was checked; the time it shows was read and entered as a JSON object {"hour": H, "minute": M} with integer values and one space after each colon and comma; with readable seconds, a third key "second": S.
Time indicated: {"hour": 11, "minute": 47, "second": 18}
